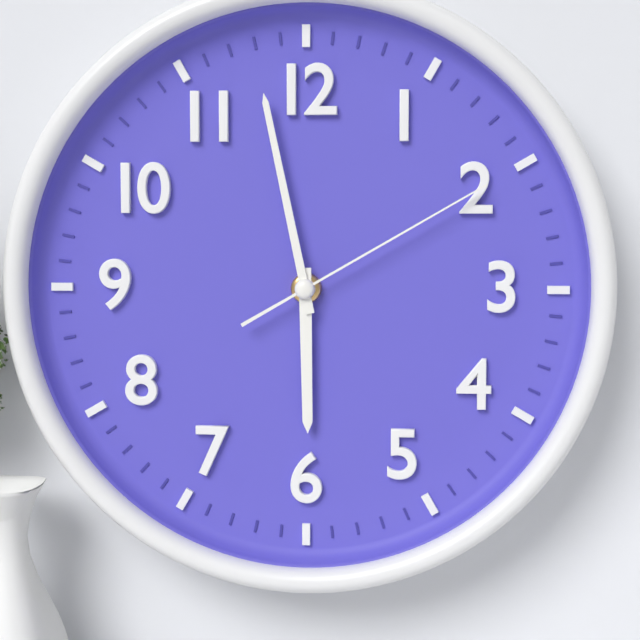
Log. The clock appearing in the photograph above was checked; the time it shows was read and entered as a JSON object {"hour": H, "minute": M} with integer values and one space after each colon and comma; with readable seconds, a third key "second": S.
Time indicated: {"hour": 5, "minute": 58, "second": 10}
